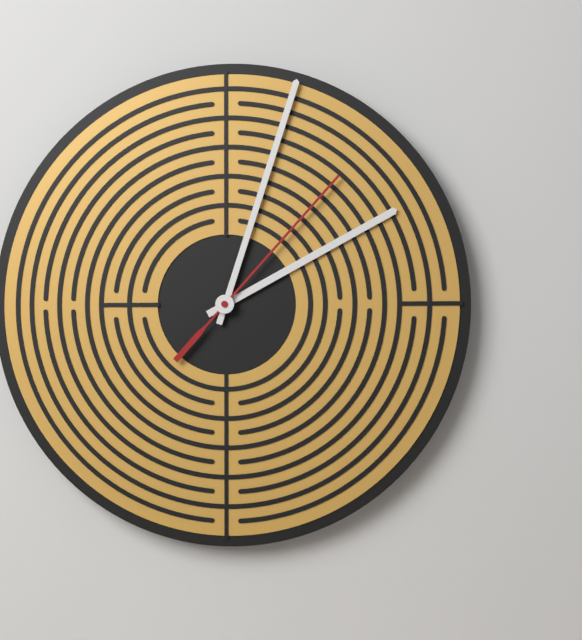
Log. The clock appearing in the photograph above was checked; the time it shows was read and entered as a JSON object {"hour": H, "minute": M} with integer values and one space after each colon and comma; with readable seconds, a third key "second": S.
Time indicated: {"hour": 2, "minute": 3, "second": 7}
